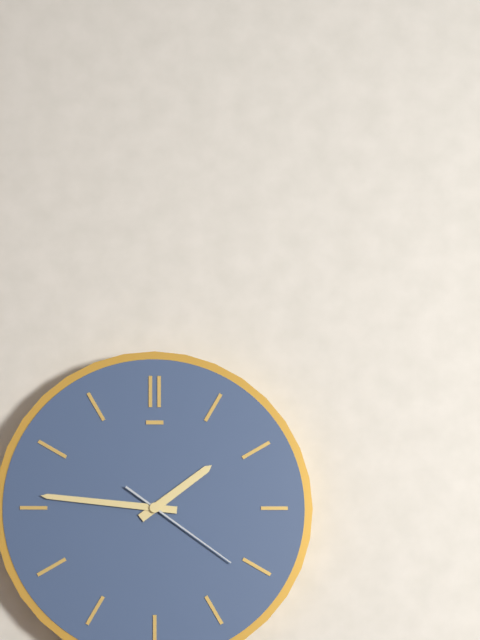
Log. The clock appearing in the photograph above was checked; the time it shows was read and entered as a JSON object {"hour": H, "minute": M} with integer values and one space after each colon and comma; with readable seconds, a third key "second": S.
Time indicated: {"hour": 1, "minute": 46, "second": 21}
